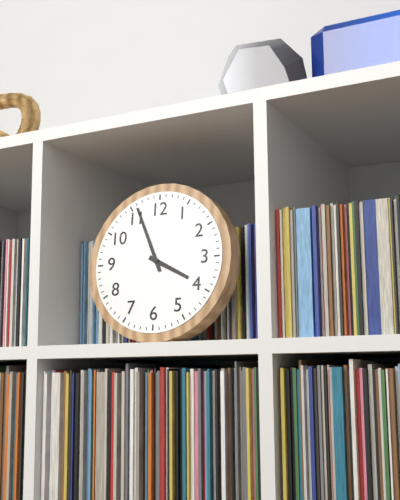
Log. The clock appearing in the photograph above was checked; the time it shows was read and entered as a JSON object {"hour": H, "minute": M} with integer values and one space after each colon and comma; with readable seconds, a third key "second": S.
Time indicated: {"hour": 3, "minute": 56}
